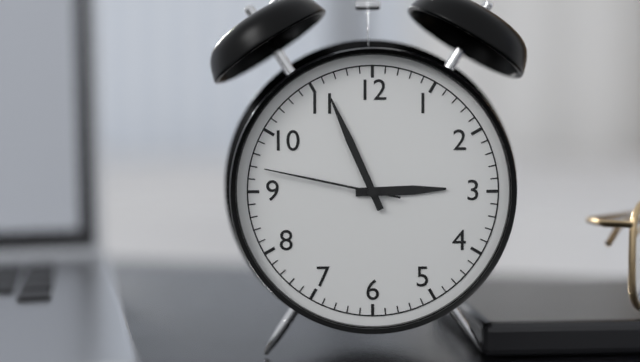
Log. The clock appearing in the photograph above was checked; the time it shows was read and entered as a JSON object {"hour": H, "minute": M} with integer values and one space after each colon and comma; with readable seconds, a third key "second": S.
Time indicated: {"hour": 2, "minute": 56, "second": 47}
